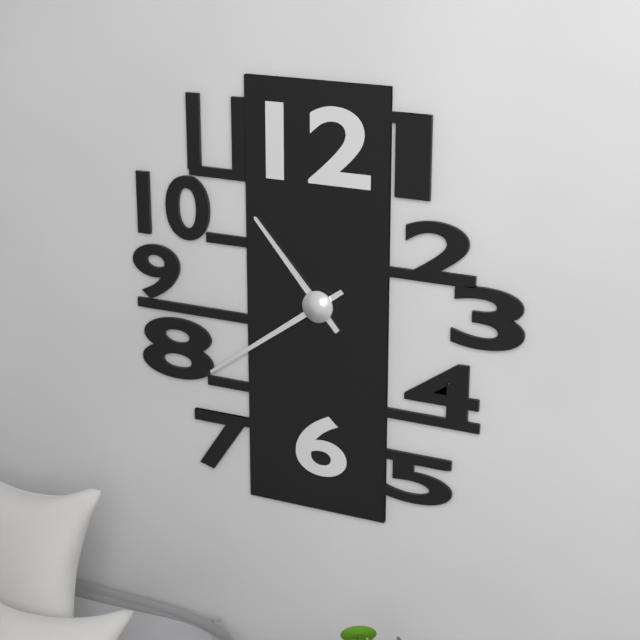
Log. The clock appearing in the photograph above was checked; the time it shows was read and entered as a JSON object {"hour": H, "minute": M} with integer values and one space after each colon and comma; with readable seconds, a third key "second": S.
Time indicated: {"hour": 10, "minute": 39}
